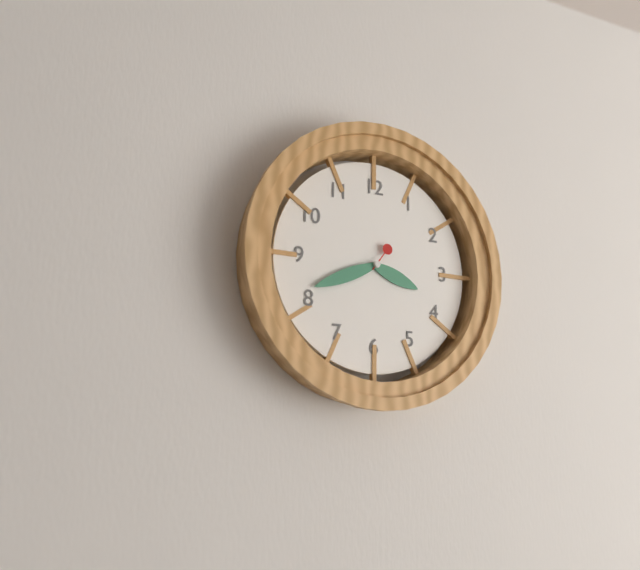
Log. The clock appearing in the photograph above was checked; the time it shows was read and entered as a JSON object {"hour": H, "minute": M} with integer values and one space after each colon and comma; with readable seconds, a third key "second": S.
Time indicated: {"hour": 3, "minute": 41}
